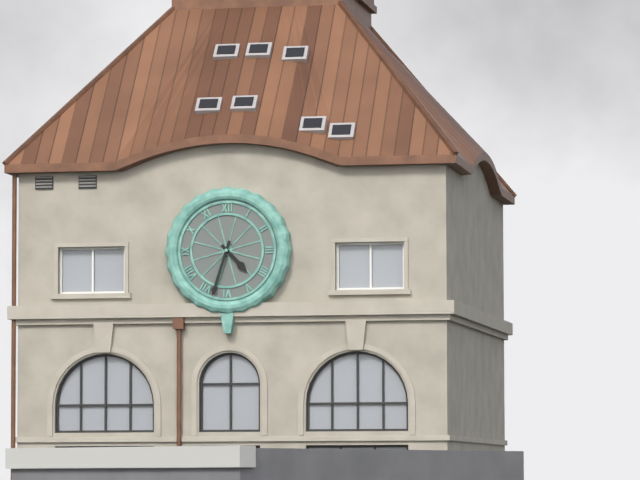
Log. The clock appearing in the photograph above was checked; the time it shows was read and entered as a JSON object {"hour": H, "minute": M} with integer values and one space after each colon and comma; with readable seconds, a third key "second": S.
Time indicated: {"hour": 4, "minute": 33}
